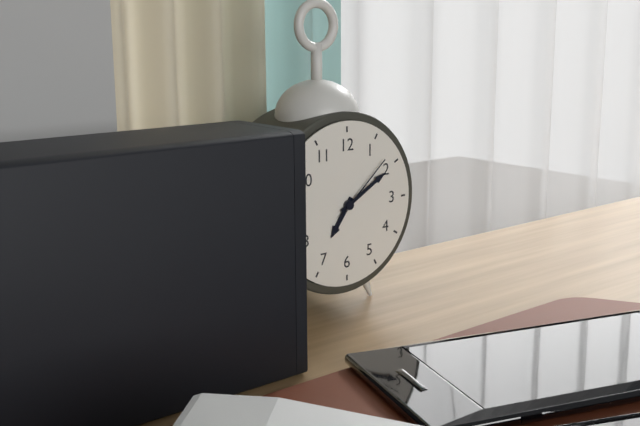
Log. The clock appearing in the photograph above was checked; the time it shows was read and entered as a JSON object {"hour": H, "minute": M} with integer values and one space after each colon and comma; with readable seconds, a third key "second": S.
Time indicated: {"hour": 7, "minute": 10, "second": 8}
